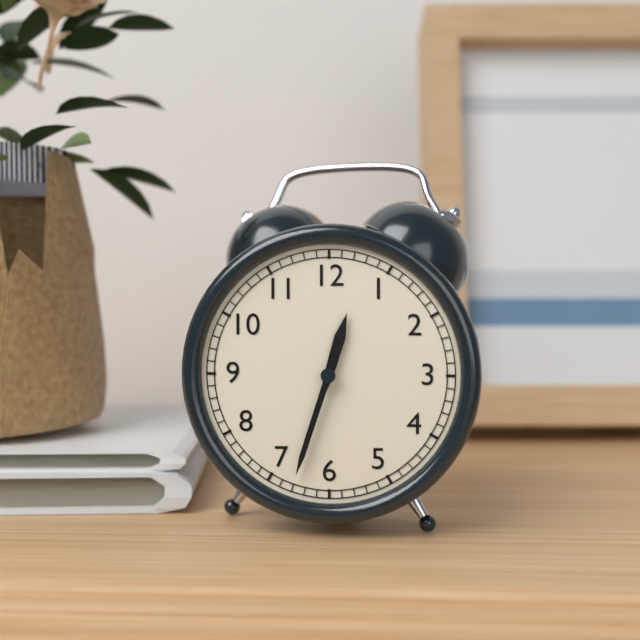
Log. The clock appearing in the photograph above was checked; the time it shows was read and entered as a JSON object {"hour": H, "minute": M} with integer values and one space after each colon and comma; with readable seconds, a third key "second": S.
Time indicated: {"hour": 12, "minute": 33}
